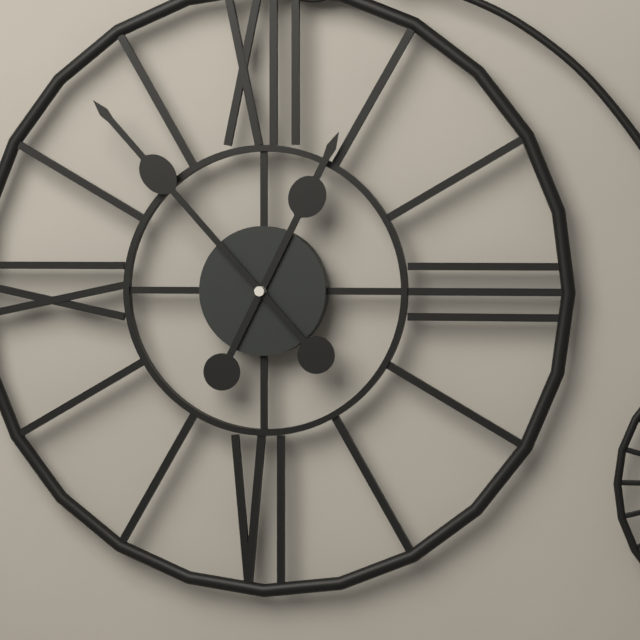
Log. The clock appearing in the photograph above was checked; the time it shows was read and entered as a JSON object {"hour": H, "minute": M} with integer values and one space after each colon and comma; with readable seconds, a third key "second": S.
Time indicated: {"hour": 12, "minute": 53}
